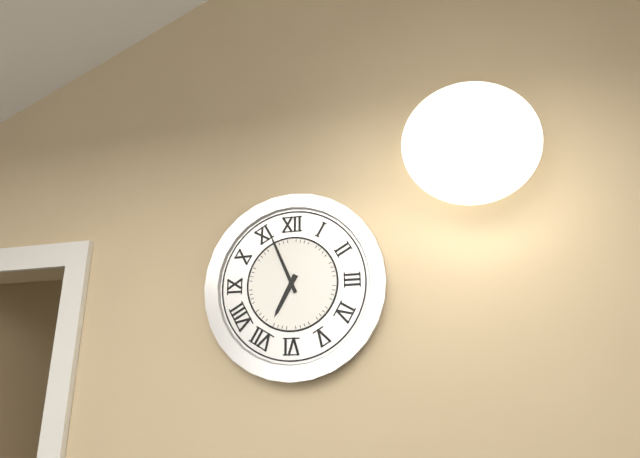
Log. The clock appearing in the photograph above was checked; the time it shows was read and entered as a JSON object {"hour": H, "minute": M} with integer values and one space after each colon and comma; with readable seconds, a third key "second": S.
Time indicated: {"hour": 6, "minute": 56}
